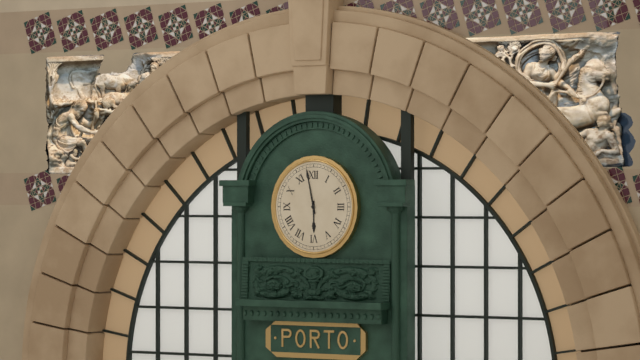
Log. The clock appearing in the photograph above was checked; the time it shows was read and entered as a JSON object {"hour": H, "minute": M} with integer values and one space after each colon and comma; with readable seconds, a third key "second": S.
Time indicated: {"hour": 5, "minute": 58}
